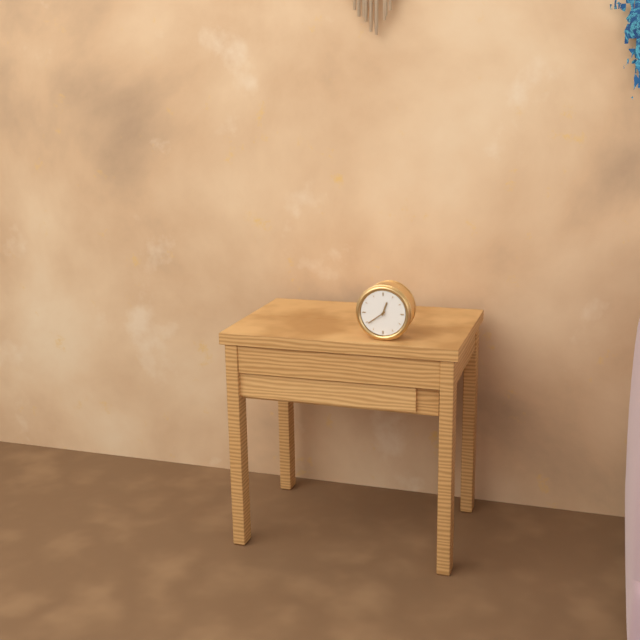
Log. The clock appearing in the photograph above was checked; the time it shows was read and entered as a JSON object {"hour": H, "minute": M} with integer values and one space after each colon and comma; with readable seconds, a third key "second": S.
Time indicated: {"hour": 12, "minute": 39}
